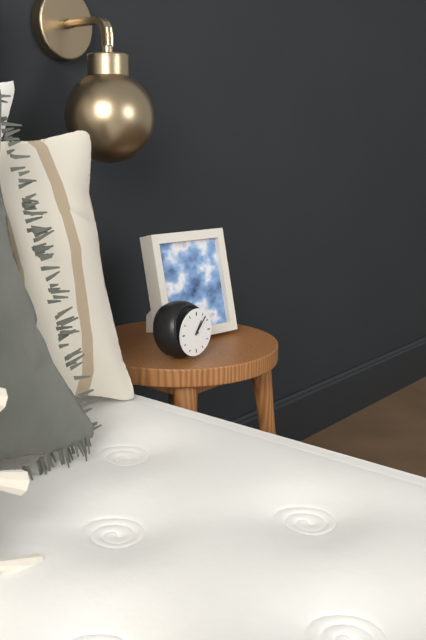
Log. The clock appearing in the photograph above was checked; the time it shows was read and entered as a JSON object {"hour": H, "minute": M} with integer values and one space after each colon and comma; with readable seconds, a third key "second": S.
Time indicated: {"hour": 1, "minute": 7}
